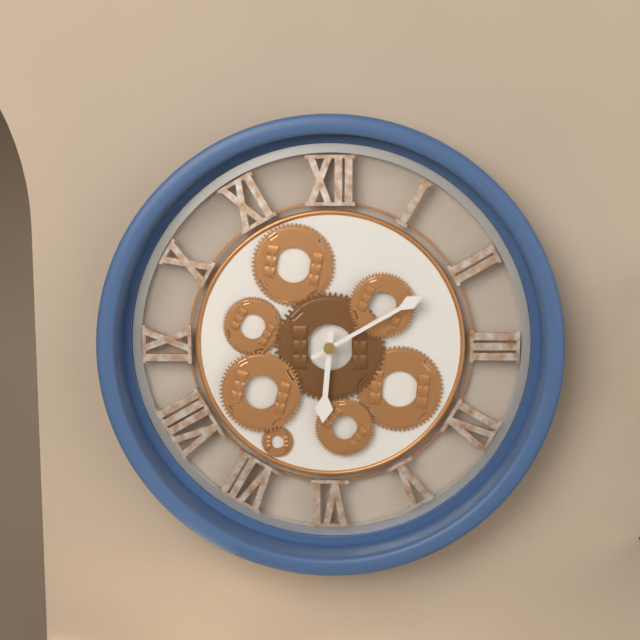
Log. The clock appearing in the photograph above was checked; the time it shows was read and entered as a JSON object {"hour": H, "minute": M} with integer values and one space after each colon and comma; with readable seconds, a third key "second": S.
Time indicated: {"hour": 6, "minute": 10}
